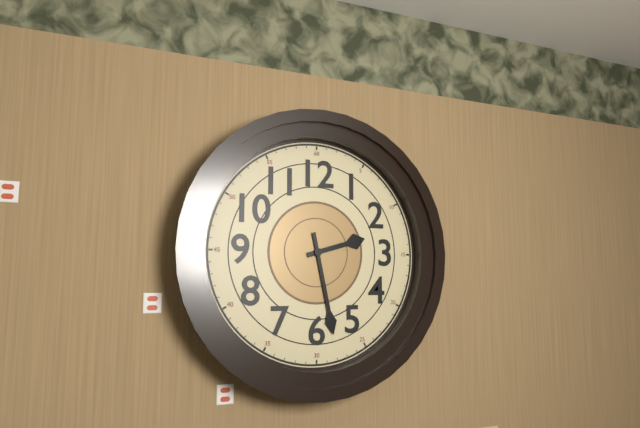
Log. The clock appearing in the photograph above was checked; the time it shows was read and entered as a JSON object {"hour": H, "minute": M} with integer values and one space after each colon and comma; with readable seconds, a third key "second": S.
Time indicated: {"hour": 2, "minute": 28}
